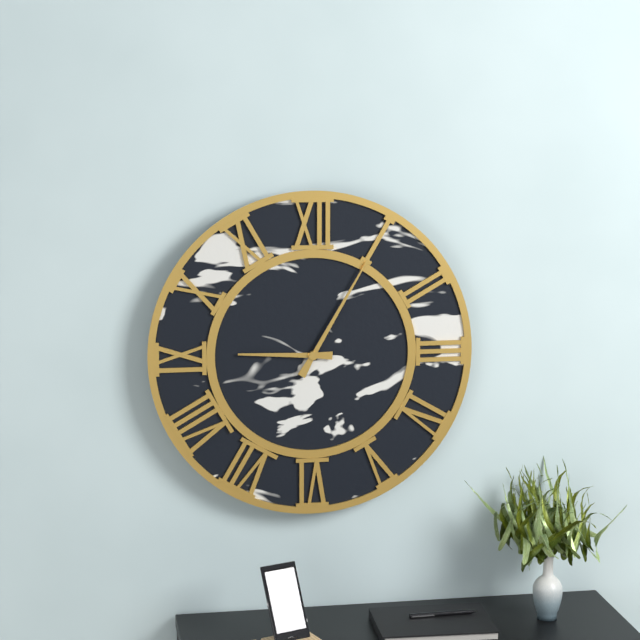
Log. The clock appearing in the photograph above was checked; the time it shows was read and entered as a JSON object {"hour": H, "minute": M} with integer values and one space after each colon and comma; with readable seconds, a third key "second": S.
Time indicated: {"hour": 9, "minute": 5}
